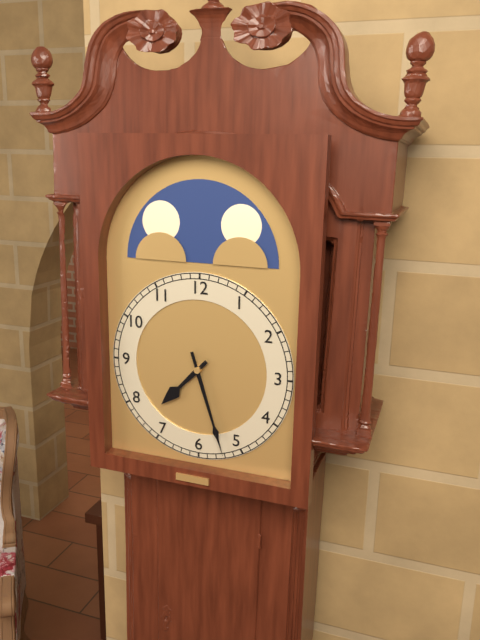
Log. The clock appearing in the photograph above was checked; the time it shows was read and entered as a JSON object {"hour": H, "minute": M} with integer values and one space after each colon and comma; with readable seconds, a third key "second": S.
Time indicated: {"hour": 7, "minute": 27}
